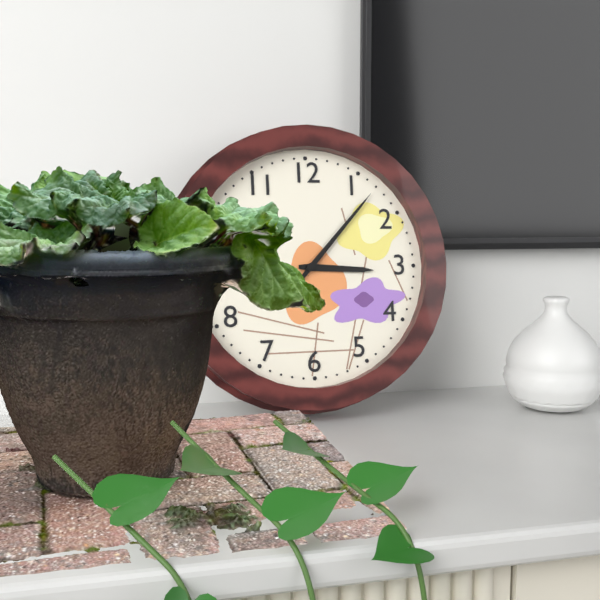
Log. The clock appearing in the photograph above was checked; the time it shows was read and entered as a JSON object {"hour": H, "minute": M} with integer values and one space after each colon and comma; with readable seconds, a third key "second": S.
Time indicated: {"hour": 3, "minute": 7}
